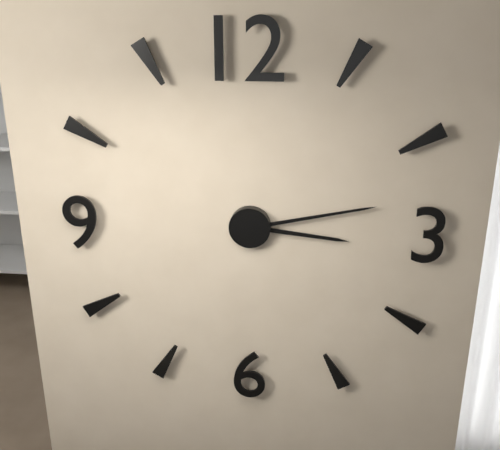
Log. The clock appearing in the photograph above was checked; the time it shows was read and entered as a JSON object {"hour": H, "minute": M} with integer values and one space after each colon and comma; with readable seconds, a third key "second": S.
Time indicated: {"hour": 3, "minute": 13}
